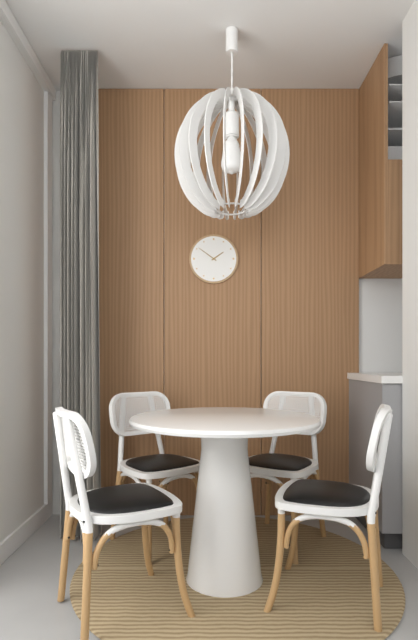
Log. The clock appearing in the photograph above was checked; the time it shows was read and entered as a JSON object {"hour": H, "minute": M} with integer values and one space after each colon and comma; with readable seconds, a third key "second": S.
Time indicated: {"hour": 1, "minute": 51}
